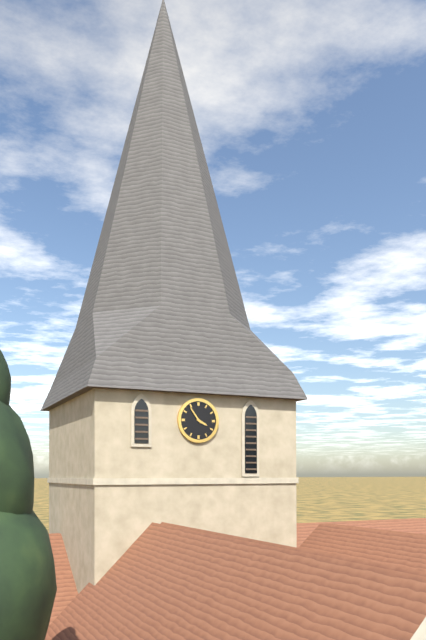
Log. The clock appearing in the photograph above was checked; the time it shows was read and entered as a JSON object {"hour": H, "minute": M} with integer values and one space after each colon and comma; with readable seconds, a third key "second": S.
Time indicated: {"hour": 3, "minute": 54}
